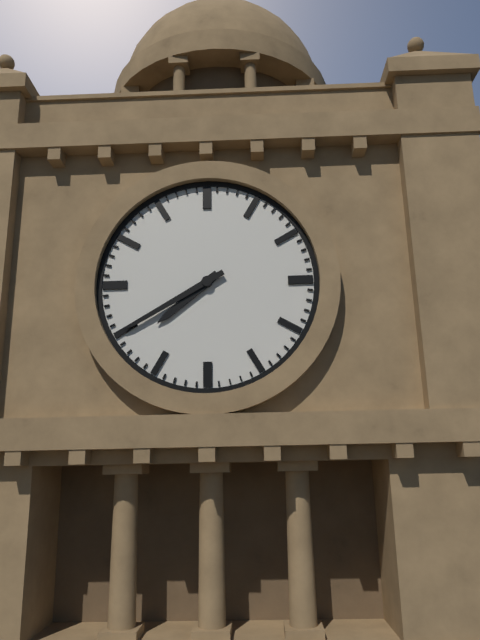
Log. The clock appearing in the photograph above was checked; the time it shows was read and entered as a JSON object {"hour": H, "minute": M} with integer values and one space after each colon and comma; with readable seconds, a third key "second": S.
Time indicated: {"hour": 7, "minute": 40}
